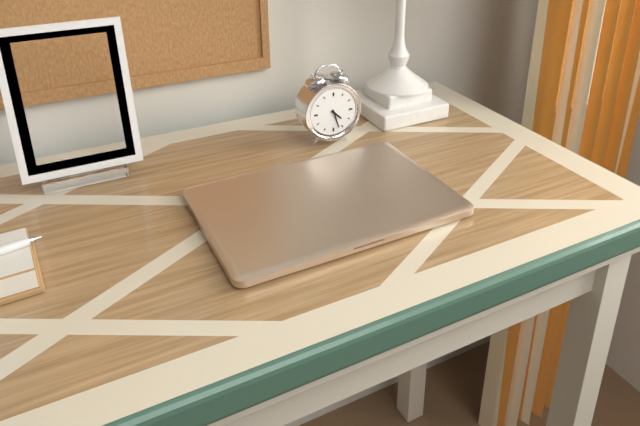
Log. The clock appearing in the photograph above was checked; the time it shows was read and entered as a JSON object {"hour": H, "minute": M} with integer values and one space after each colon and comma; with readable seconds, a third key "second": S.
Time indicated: {"hour": 4, "minute": 27}
